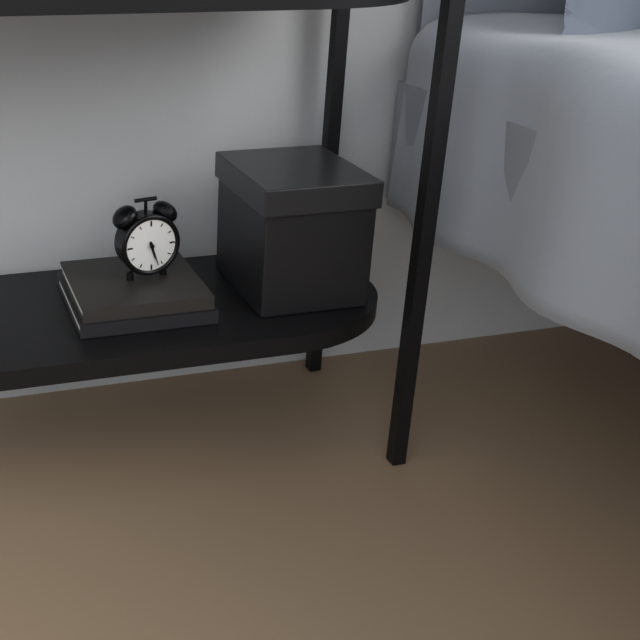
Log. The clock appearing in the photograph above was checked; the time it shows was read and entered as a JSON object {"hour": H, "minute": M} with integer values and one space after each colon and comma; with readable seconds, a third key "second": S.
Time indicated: {"hour": 5, "minute": 27}
